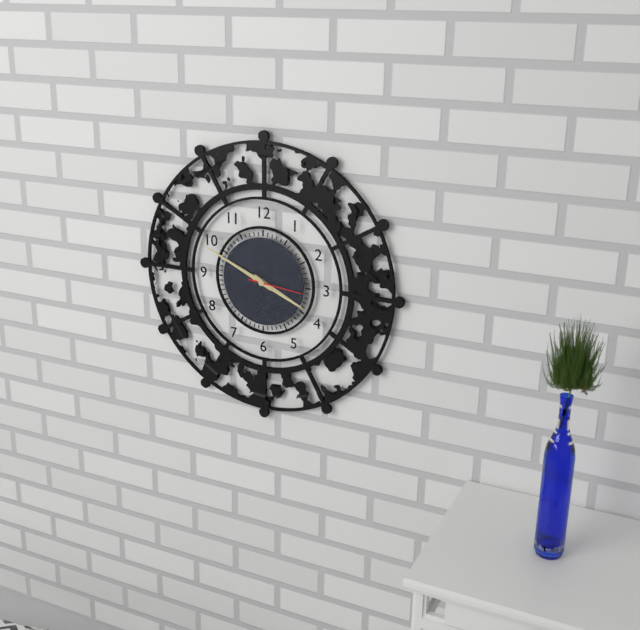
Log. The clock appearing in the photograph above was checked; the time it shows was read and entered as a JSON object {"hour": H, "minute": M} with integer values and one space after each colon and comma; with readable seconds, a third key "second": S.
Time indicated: {"hour": 3, "minute": 49, "second": 16}
